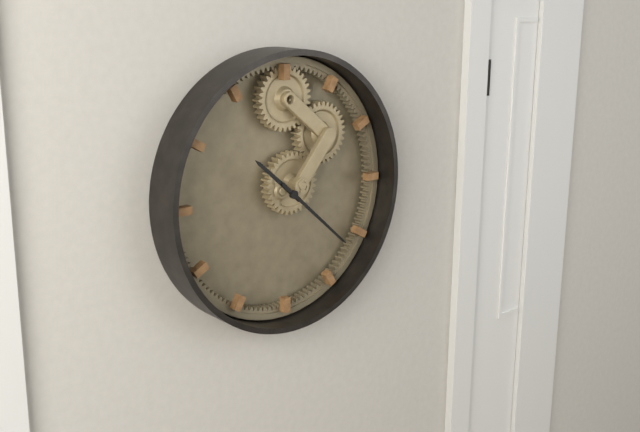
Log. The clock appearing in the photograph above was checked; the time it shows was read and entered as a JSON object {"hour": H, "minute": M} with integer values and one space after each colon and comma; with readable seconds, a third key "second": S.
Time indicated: {"hour": 10, "minute": 22}
